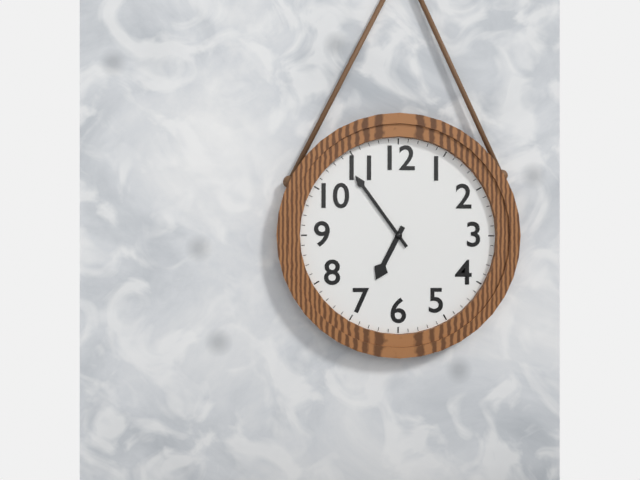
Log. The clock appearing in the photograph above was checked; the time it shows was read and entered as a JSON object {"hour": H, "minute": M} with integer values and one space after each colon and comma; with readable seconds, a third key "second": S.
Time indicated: {"hour": 6, "minute": 54}
